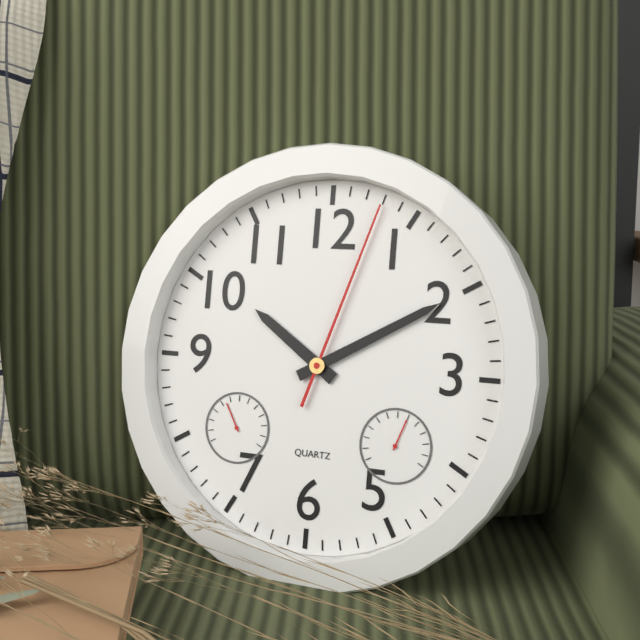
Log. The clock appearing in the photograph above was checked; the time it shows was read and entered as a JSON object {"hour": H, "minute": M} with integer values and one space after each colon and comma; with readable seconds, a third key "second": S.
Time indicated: {"hour": 10, "minute": 10, "second": 3}
